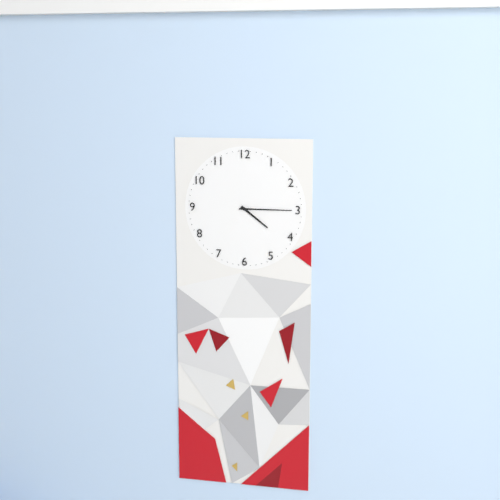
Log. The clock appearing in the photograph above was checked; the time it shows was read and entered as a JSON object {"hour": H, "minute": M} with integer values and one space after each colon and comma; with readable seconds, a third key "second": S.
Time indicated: {"hour": 4, "minute": 15}
